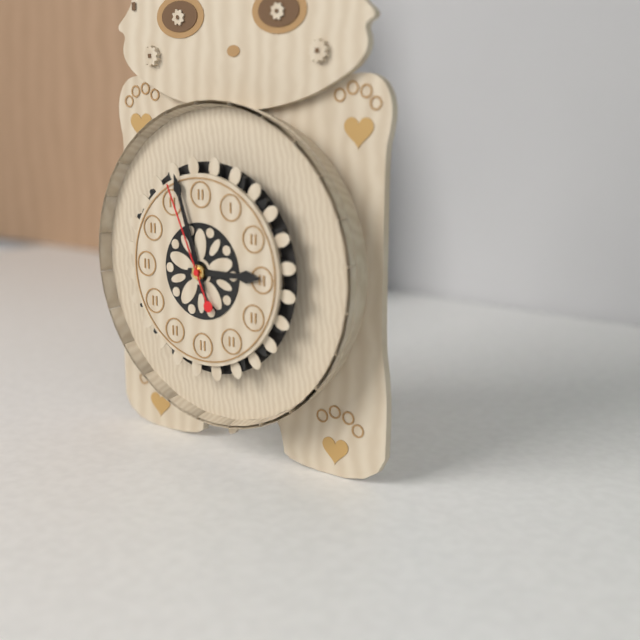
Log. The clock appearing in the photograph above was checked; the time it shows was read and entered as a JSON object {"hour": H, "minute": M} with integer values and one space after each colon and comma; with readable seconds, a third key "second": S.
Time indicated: {"hour": 2, "minute": 57, "second": 56}
